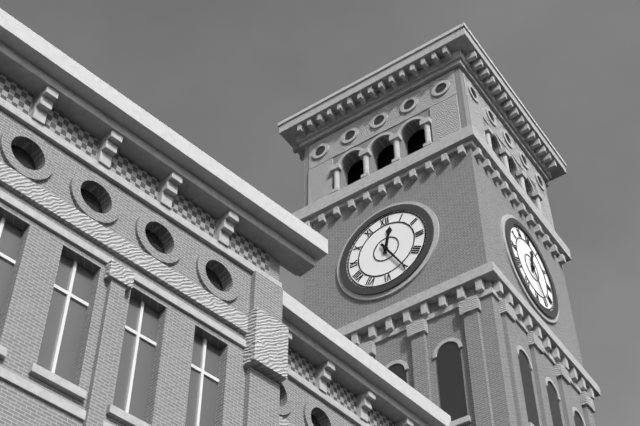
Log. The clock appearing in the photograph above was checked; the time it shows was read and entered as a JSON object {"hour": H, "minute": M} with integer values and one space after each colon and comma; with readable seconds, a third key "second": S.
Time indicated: {"hour": 12, "minute": 25}
